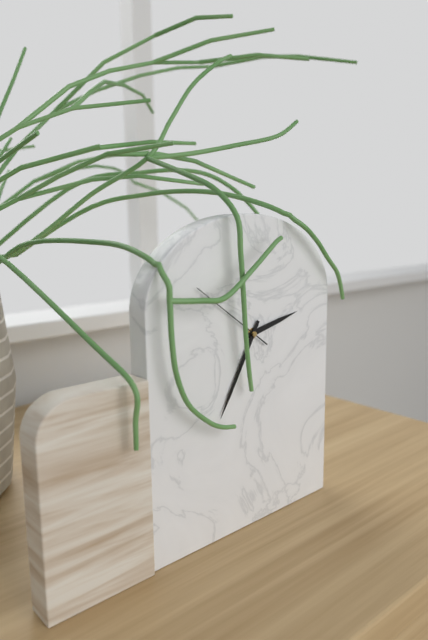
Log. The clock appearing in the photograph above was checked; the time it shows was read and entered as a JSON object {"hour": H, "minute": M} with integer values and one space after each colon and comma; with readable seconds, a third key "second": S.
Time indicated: {"hour": 2, "minute": 35, "second": 51}
